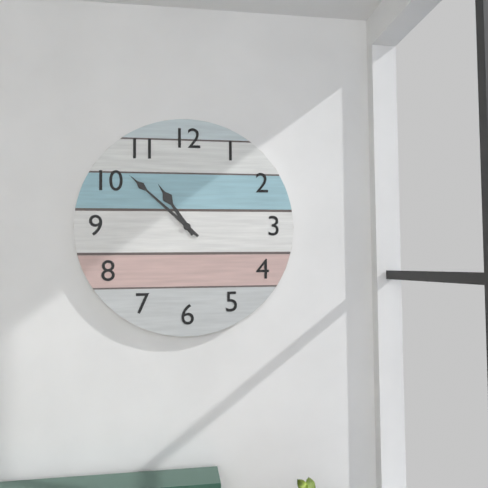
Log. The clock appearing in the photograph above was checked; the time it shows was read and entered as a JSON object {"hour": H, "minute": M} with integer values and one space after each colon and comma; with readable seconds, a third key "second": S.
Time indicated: {"hour": 10, "minute": 52}
